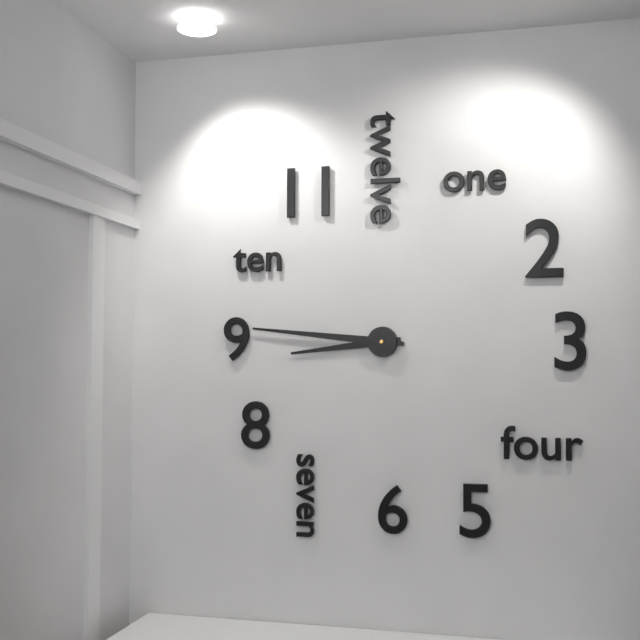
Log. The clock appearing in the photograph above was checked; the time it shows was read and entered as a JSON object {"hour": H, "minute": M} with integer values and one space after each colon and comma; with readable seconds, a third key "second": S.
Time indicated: {"hour": 8, "minute": 46}
